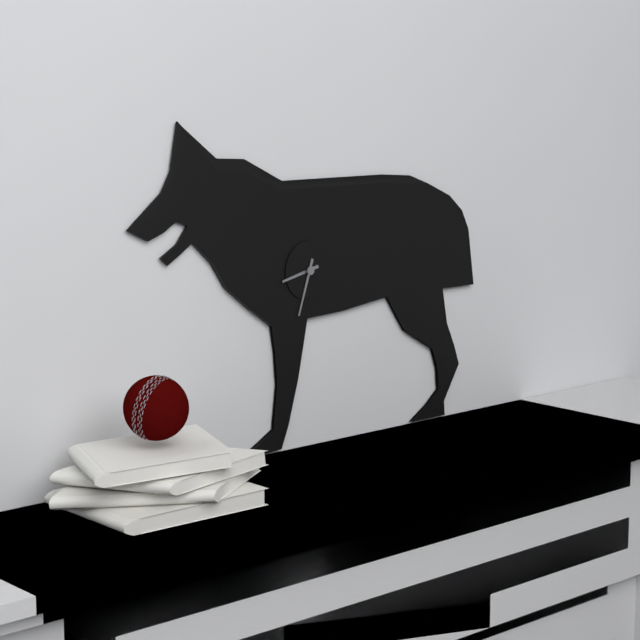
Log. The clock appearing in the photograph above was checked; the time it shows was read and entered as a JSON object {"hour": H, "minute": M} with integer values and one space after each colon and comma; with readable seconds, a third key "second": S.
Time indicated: {"hour": 8, "minute": 33}
